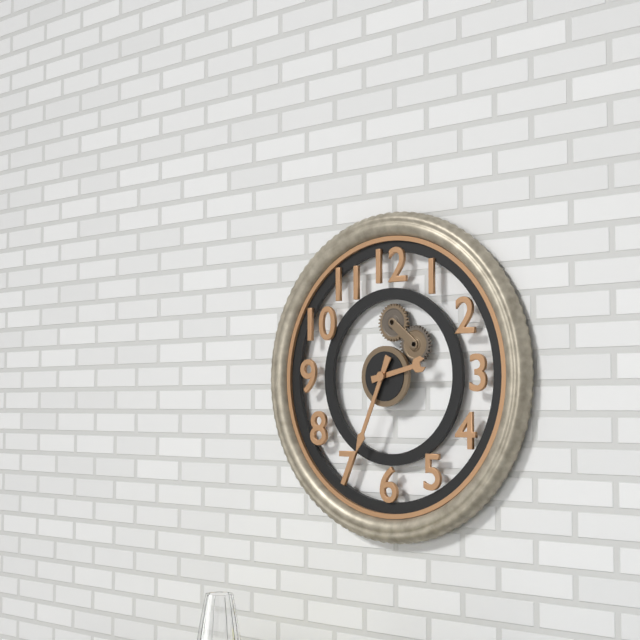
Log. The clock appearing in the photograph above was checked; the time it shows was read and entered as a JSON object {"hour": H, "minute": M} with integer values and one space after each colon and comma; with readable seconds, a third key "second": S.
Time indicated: {"hour": 2, "minute": 34}
